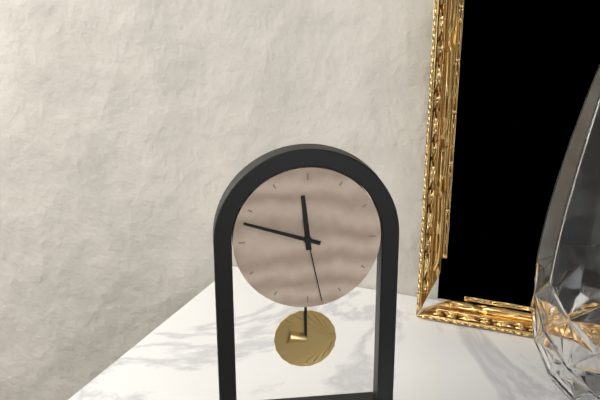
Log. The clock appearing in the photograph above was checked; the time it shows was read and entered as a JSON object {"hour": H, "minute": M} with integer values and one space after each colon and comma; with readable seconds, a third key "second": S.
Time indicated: {"hour": 11, "minute": 48, "second": 28}
